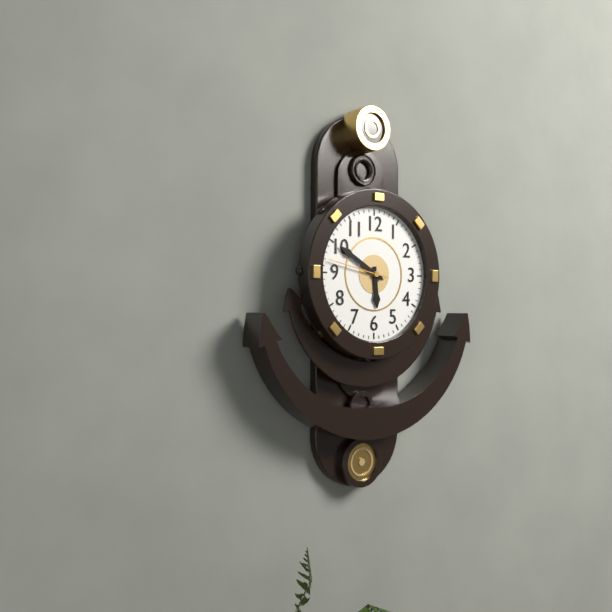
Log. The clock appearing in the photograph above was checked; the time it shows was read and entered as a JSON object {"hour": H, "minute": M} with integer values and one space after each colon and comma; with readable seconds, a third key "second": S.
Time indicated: {"hour": 5, "minute": 50, "second": 47}
